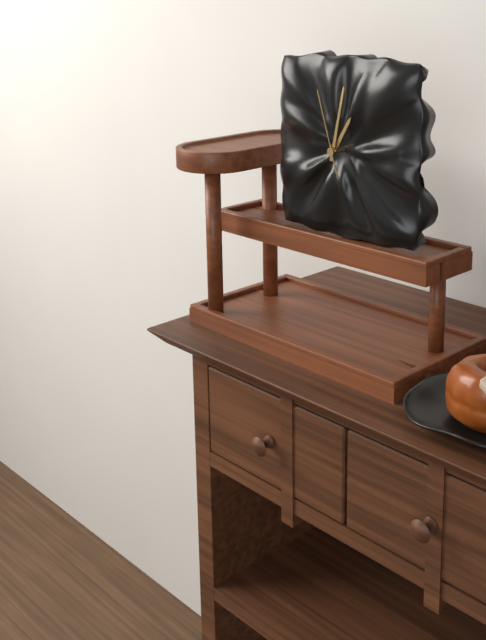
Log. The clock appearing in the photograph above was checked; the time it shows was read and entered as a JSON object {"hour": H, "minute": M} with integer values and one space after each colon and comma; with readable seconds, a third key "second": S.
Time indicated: {"hour": 1, "minute": 2, "second": 57}
